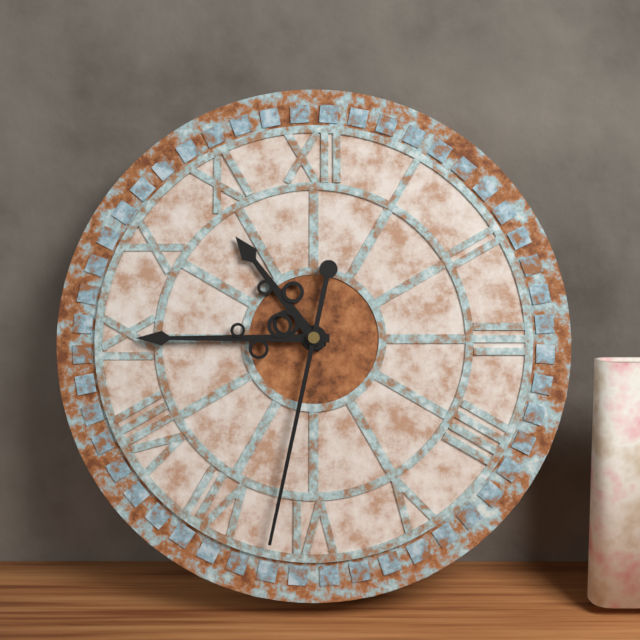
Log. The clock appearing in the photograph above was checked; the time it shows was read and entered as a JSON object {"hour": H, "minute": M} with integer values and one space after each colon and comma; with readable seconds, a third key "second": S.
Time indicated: {"hour": 10, "minute": 45, "second": 32}
